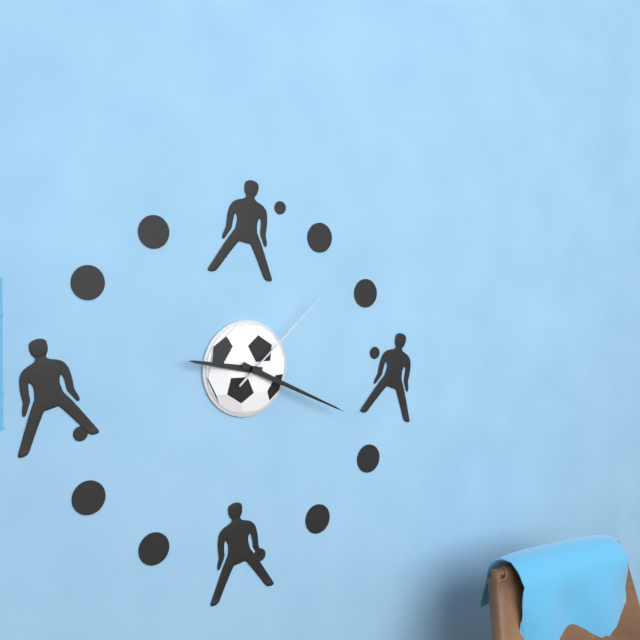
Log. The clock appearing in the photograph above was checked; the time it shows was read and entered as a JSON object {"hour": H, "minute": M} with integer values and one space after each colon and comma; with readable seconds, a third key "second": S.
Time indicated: {"hour": 9, "minute": 19, "second": 8}
